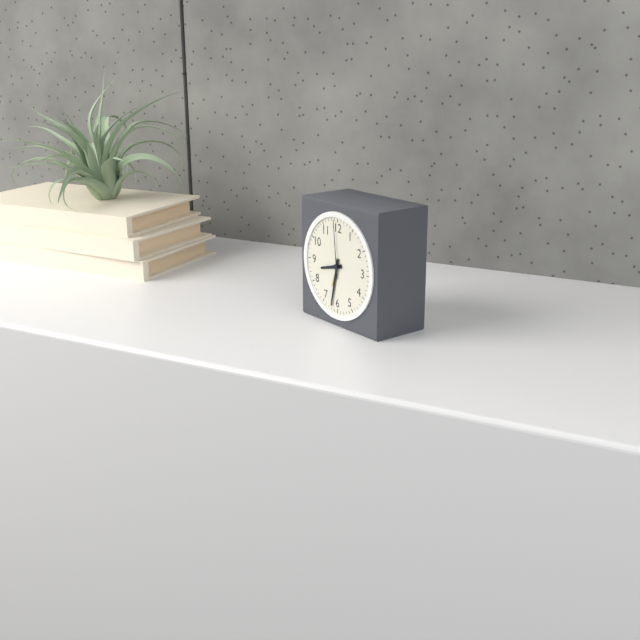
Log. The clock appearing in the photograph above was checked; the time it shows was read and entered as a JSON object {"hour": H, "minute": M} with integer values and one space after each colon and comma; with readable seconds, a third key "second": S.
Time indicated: {"hour": 8, "minute": 32, "second": 59}
